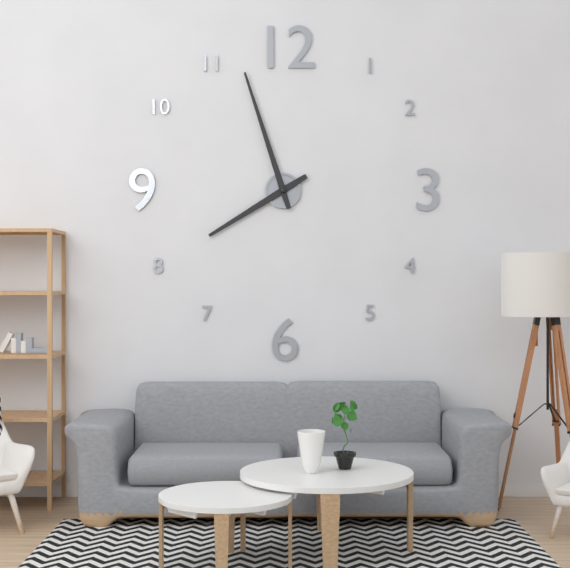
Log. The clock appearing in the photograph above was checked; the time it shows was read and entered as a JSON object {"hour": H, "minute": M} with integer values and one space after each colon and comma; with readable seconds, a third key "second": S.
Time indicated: {"hour": 7, "minute": 57}
